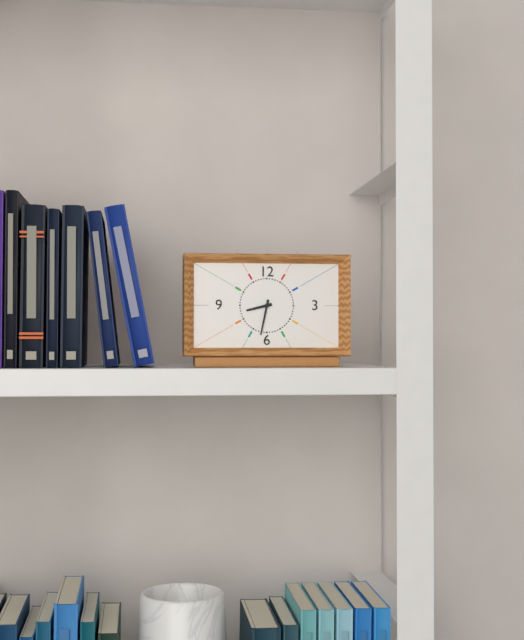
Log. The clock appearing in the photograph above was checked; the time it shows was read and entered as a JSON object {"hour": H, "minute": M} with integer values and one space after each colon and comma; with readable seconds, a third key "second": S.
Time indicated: {"hour": 8, "minute": 32}
